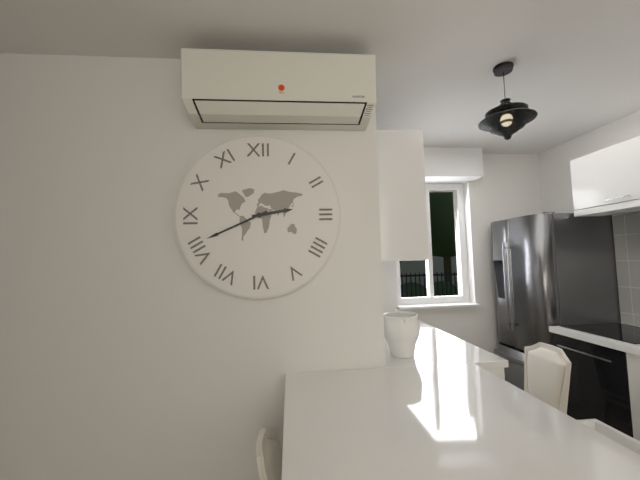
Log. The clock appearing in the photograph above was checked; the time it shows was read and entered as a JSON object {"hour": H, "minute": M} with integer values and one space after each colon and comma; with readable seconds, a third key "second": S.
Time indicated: {"hour": 2, "minute": 41}
